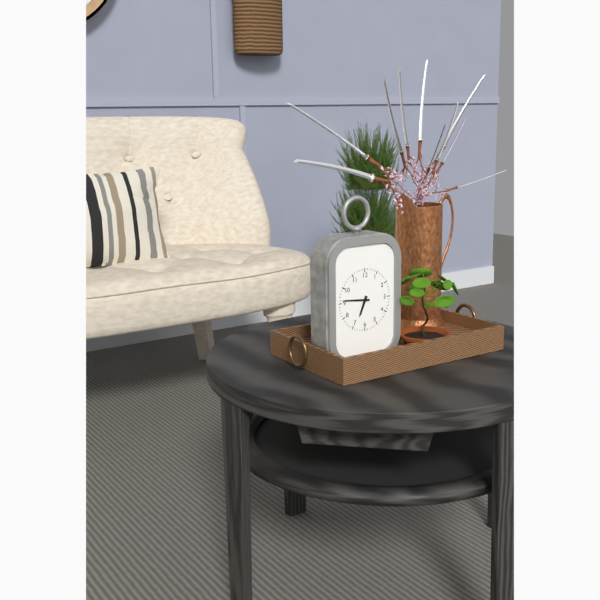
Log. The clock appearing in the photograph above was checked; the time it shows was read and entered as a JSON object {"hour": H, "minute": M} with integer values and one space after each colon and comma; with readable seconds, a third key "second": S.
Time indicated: {"hour": 6, "minute": 46}
